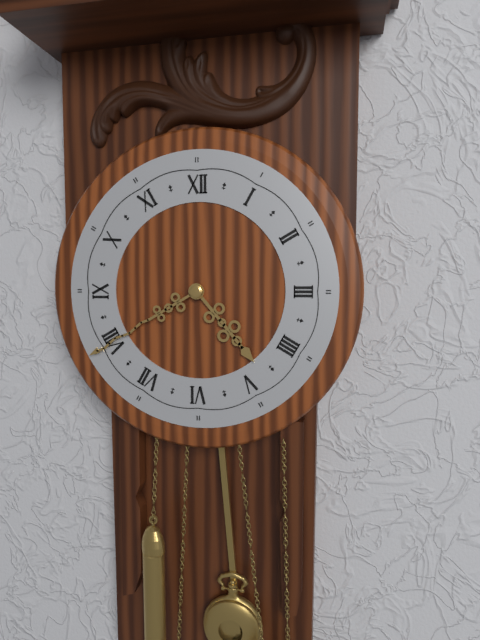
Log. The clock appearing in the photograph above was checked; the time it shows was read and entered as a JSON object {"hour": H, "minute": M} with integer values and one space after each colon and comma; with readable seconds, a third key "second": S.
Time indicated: {"hour": 4, "minute": 40}
